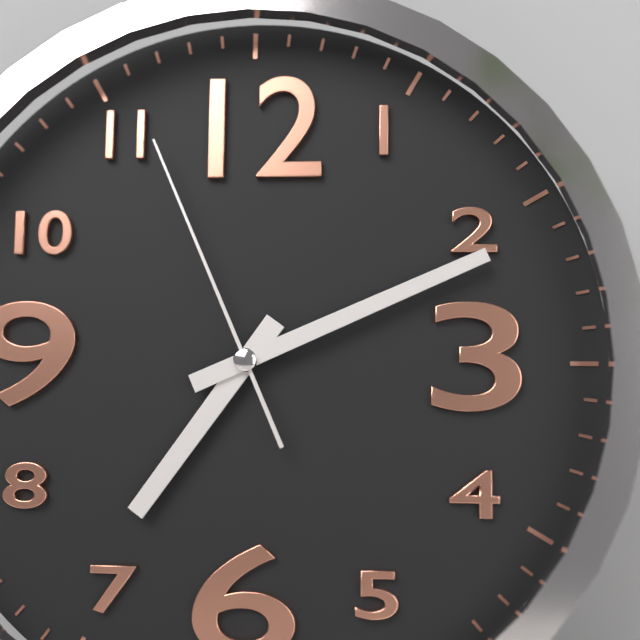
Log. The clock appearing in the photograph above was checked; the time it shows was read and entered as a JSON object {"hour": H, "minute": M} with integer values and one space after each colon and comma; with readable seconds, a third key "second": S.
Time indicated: {"hour": 7, "minute": 11, "second": 56}
